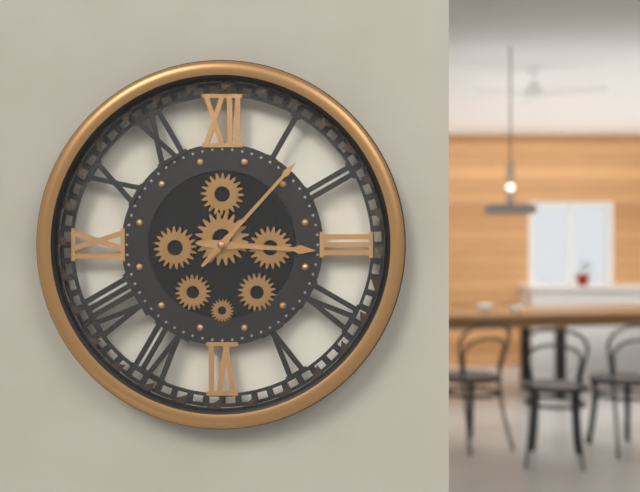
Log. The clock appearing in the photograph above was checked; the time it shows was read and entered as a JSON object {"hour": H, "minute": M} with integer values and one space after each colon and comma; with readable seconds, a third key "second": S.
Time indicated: {"hour": 3, "minute": 7}
